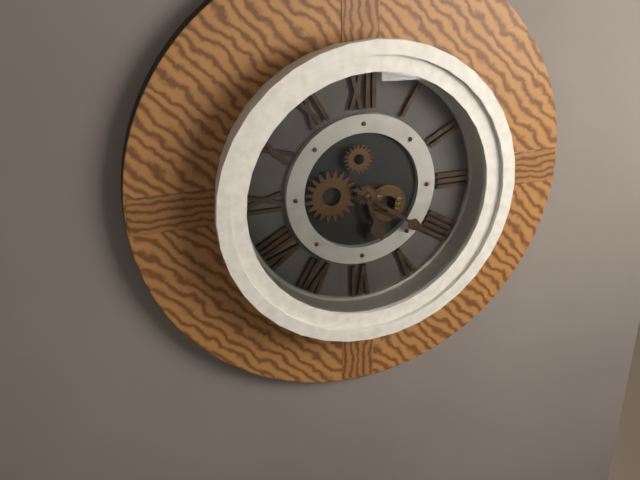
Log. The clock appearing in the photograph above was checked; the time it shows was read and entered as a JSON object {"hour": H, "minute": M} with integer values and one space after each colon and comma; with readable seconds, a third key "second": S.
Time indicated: {"hour": 5, "minute": 21}
